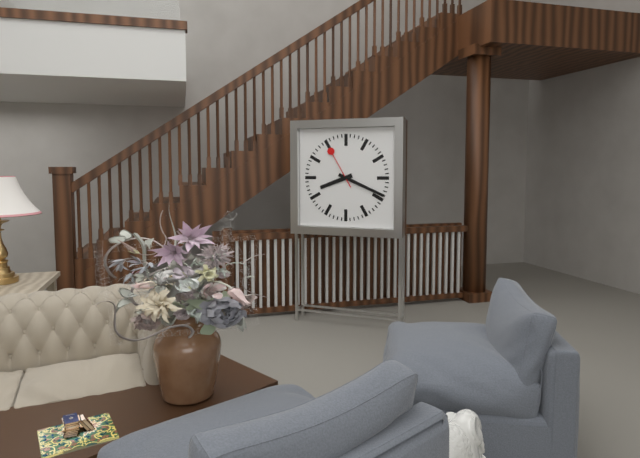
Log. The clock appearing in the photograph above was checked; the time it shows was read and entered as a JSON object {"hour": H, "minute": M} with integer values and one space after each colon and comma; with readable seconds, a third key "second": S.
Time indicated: {"hour": 8, "minute": 19}
